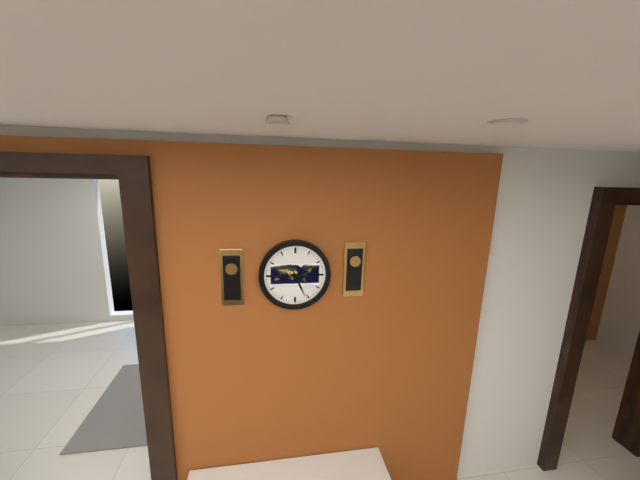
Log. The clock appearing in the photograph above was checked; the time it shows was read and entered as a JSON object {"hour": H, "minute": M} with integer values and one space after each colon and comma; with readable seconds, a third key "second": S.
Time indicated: {"hour": 3, "minute": 26}
